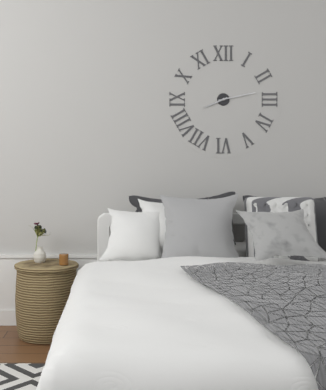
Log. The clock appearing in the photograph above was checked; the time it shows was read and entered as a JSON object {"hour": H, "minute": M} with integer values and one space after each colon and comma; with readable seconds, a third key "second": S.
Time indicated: {"hour": 8, "minute": 13}
